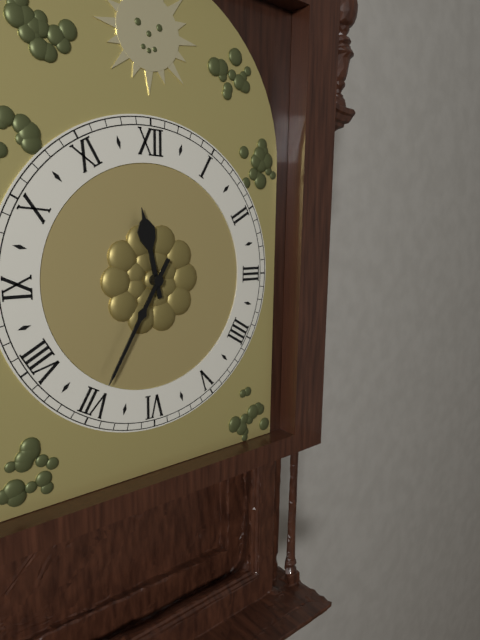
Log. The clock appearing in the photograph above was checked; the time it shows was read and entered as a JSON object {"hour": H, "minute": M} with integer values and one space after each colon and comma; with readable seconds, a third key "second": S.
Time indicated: {"hour": 11, "minute": 35}
